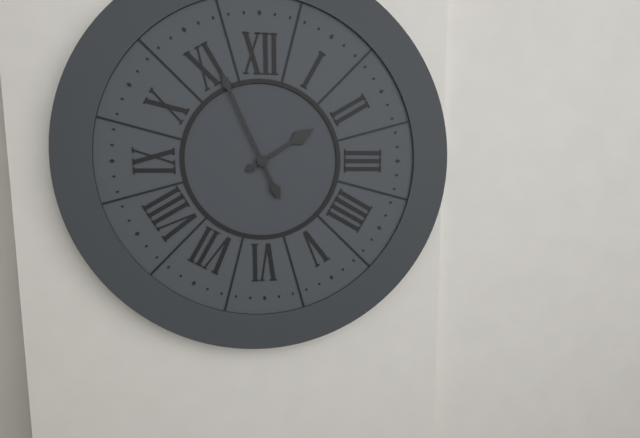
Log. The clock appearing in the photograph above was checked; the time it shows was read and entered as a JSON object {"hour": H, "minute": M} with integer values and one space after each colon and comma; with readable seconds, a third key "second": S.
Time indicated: {"hour": 1, "minute": 56}
